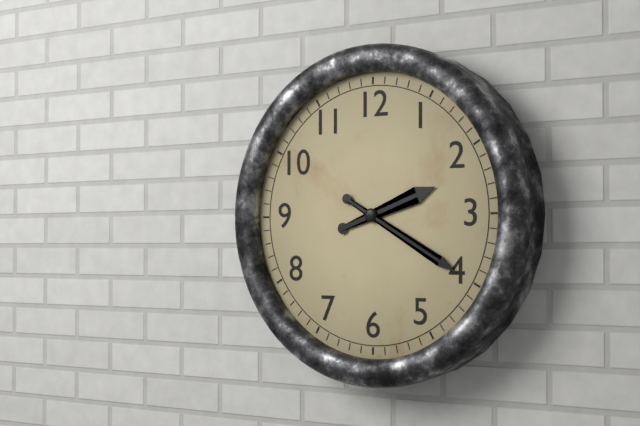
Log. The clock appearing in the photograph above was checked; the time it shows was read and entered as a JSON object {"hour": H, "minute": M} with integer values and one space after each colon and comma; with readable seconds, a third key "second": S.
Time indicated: {"hour": 2, "minute": 20}
